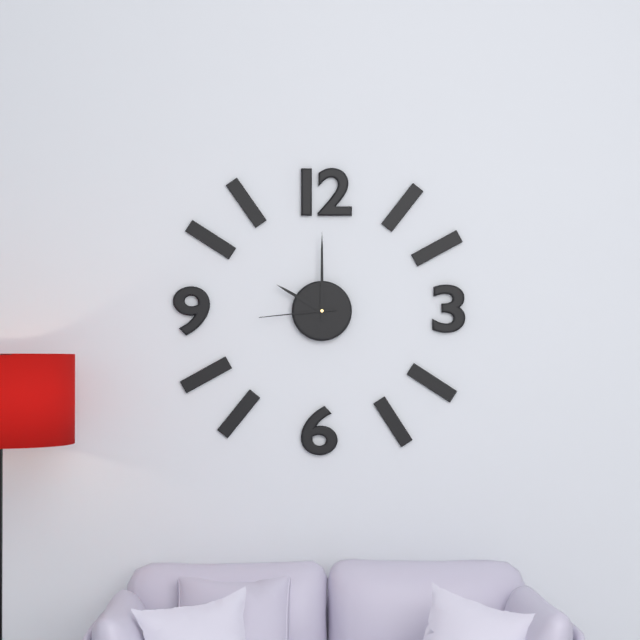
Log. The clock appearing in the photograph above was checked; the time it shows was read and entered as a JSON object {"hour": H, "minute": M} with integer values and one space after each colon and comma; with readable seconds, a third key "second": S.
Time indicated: {"hour": 10, "minute": 0, "second": 44}
